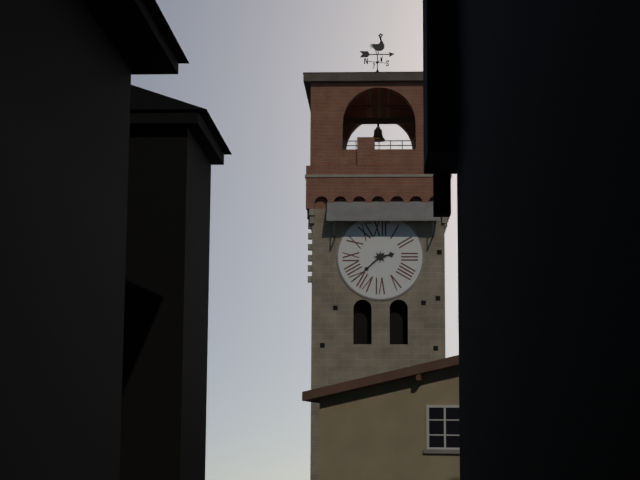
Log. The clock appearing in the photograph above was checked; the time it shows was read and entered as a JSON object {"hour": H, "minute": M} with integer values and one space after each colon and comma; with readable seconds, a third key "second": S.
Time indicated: {"hour": 2, "minute": 38}
